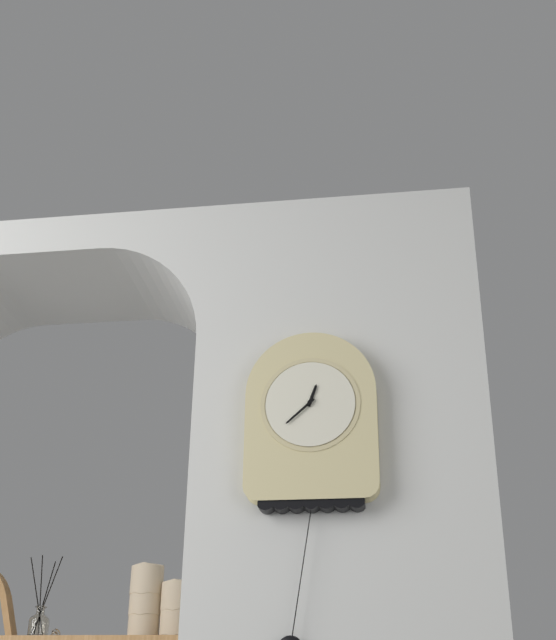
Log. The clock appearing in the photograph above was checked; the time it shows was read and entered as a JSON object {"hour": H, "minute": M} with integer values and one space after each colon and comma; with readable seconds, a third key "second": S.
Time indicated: {"hour": 12, "minute": 38}
